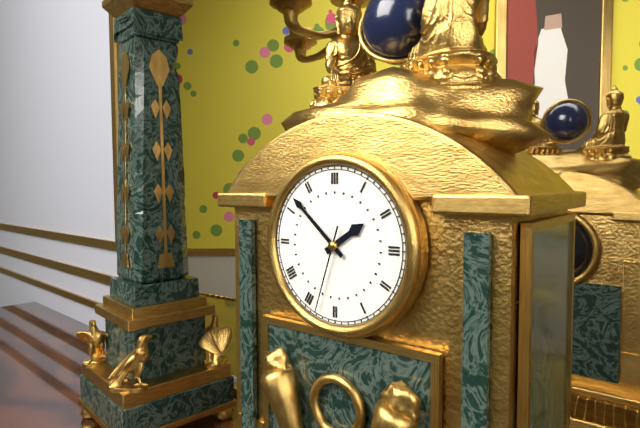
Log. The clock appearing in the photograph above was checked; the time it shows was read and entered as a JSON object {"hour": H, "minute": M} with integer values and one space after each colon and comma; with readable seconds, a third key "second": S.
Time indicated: {"hour": 1, "minute": 52, "second": 33}
